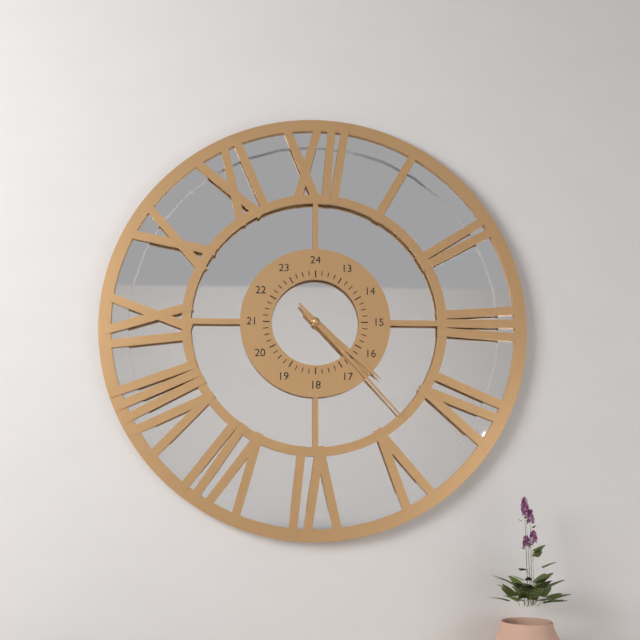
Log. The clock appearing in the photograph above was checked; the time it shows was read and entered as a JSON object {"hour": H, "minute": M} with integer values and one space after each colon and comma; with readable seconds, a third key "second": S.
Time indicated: {"hour": 4, "minute": 23}
